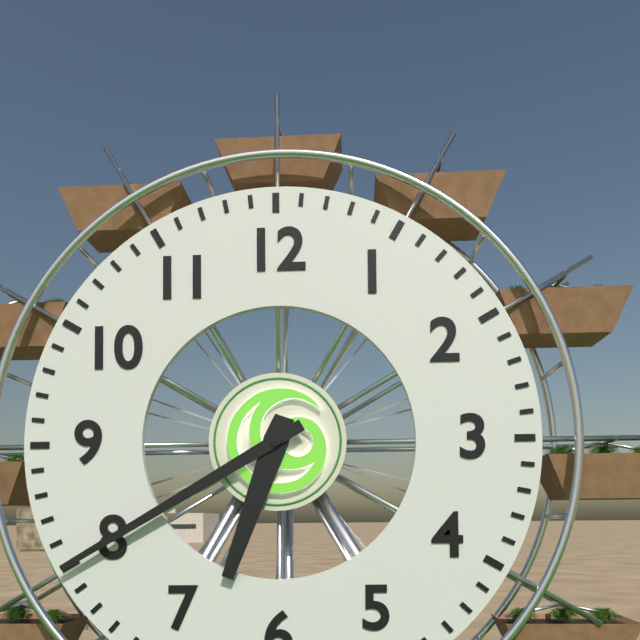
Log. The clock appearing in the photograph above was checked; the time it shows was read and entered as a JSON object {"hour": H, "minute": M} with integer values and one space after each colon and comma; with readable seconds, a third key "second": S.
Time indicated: {"hour": 6, "minute": 40}
